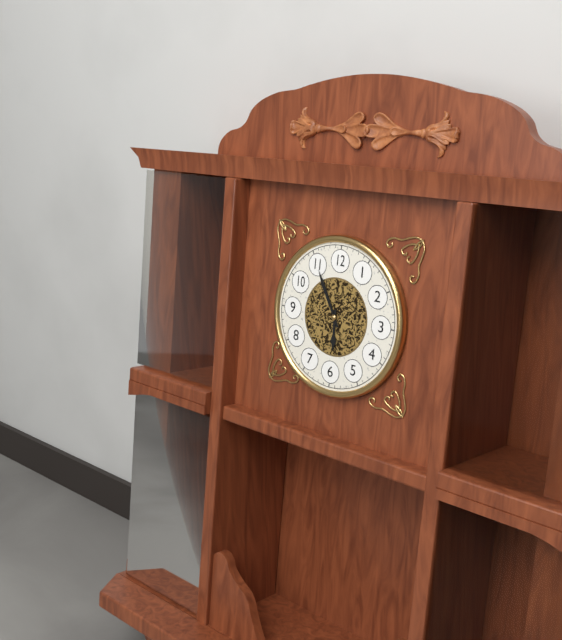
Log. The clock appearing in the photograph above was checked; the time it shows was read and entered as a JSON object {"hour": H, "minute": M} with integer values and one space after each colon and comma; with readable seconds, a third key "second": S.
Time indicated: {"hour": 5, "minute": 55}
